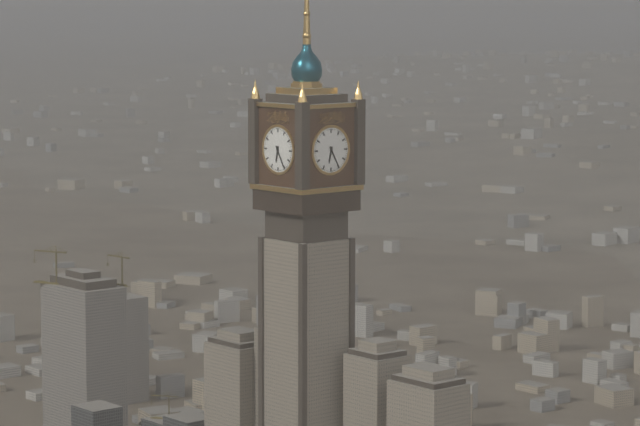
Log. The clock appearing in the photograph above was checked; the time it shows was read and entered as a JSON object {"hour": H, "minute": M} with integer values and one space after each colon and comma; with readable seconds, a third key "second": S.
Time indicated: {"hour": 6, "minute": 25}
